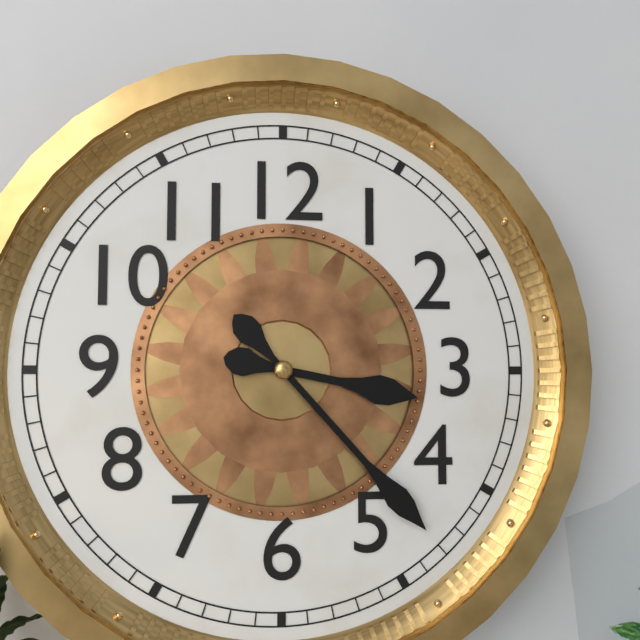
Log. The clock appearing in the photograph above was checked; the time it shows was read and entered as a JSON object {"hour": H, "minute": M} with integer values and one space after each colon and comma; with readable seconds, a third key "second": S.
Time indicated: {"hour": 3, "minute": 23}
